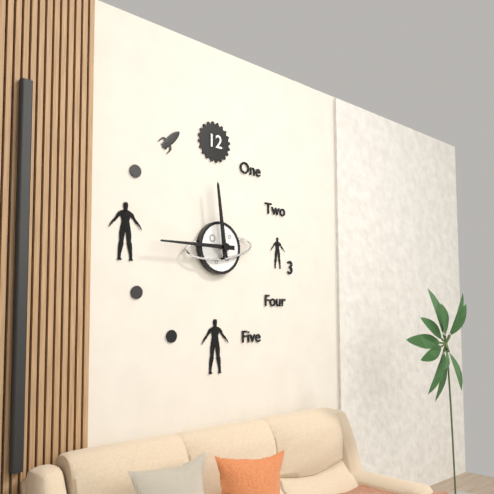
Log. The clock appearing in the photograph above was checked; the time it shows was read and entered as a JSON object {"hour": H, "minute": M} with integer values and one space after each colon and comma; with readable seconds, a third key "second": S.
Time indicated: {"hour": 11, "minute": 45}
